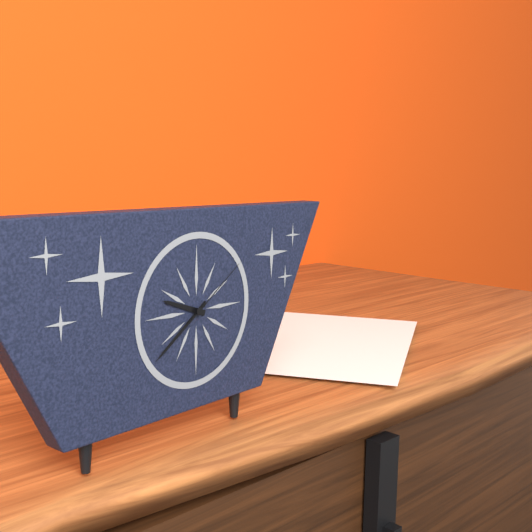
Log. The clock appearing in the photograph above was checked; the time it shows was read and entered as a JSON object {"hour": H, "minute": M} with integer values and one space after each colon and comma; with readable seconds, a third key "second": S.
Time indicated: {"hour": 9, "minute": 39, "second": 9}
